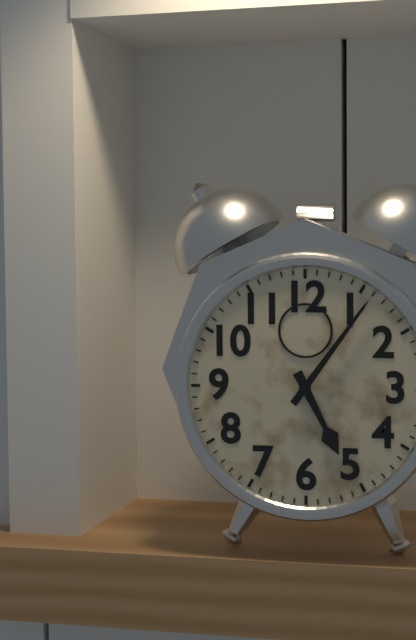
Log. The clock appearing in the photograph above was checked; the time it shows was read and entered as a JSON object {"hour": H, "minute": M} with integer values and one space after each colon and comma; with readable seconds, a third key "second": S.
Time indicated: {"hour": 5, "minute": 6}
